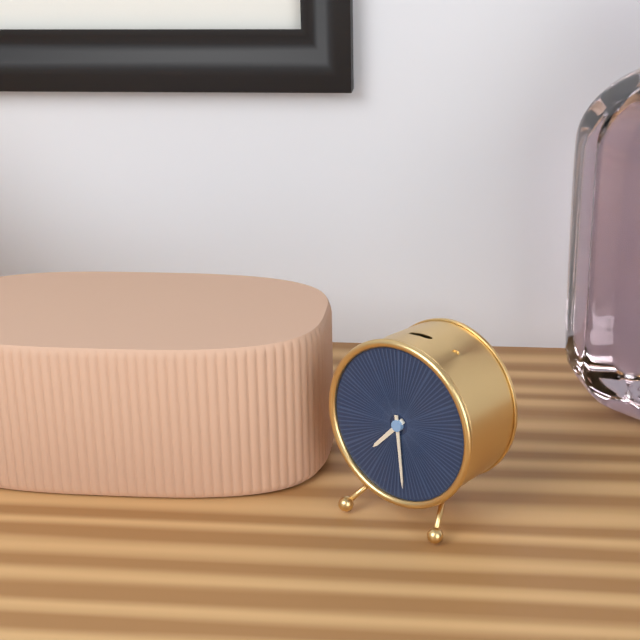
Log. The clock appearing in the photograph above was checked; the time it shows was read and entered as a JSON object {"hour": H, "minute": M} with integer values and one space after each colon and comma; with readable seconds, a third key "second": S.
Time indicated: {"hour": 7, "minute": 29}
